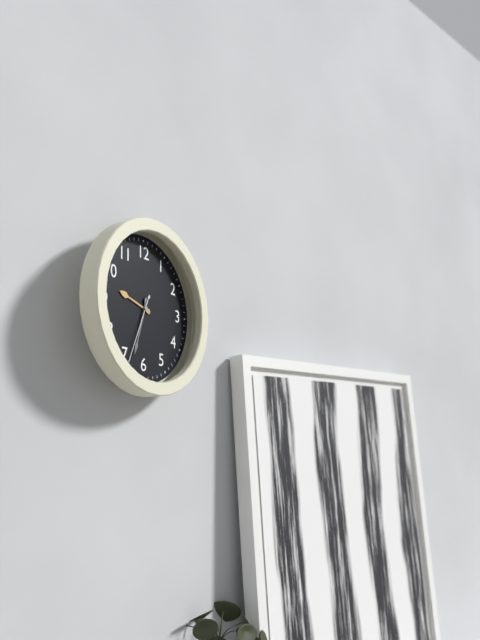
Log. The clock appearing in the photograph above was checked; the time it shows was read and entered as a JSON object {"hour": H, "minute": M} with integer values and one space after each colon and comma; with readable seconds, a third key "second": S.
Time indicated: {"hour": 9, "minute": 33, "second": 34}
